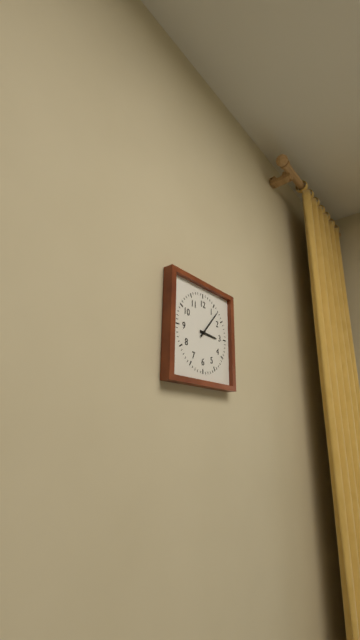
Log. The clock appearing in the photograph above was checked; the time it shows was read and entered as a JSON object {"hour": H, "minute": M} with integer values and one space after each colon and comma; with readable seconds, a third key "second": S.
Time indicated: {"hour": 3, "minute": 7}
